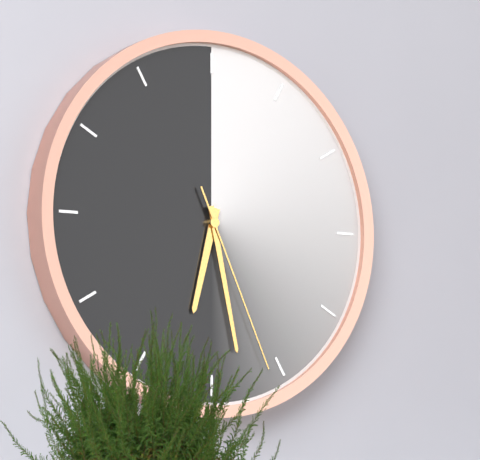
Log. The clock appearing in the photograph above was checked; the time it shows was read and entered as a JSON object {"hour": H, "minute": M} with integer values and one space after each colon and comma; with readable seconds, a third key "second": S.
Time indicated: {"hour": 6, "minute": 28, "second": 26}
